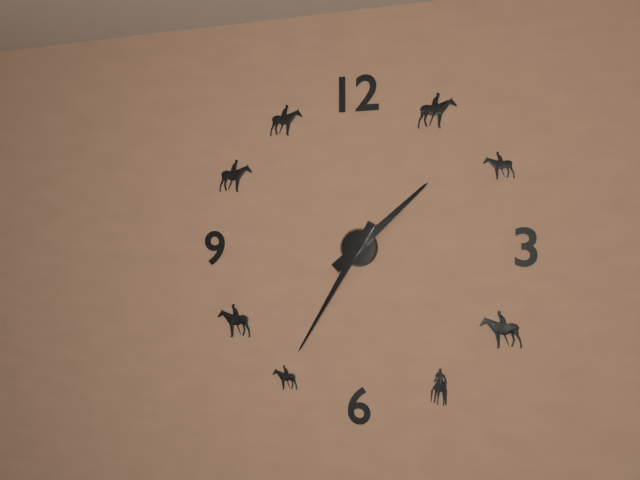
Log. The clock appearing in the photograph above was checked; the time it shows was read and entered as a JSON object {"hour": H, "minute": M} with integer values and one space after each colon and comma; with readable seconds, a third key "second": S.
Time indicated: {"hour": 1, "minute": 35}
